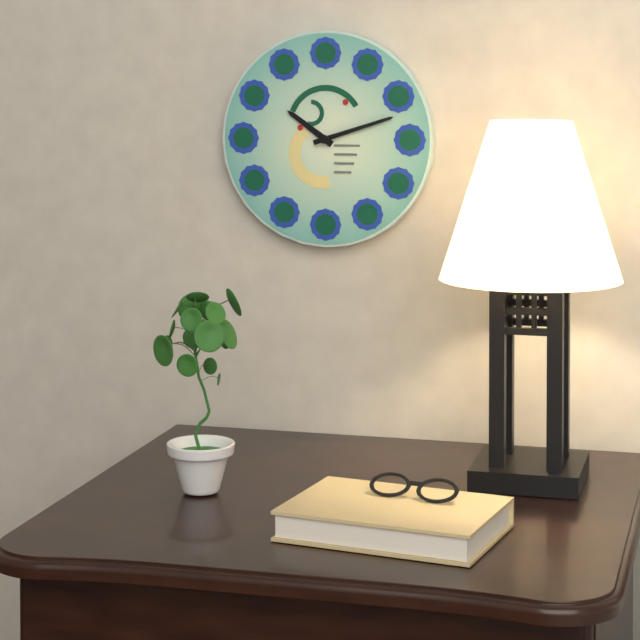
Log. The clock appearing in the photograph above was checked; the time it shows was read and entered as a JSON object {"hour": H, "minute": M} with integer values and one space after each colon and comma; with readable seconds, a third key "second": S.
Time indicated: {"hour": 10, "minute": 12}
